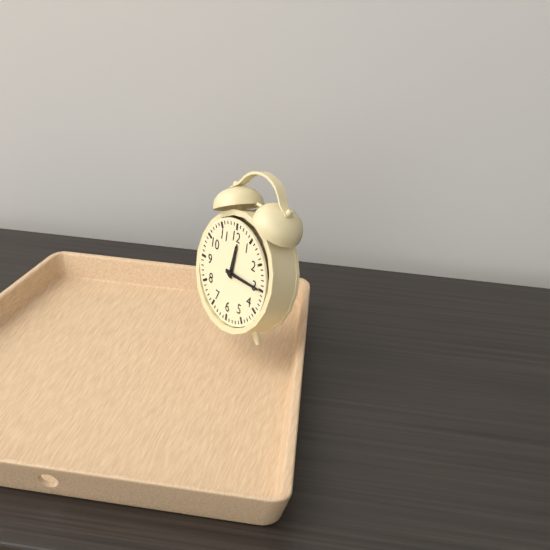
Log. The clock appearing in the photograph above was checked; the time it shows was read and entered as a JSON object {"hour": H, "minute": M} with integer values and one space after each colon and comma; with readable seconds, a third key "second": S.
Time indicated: {"hour": 12, "minute": 15}
